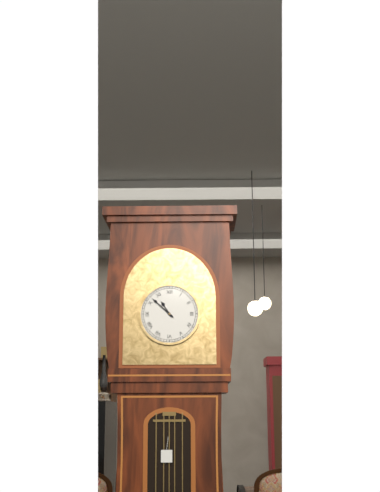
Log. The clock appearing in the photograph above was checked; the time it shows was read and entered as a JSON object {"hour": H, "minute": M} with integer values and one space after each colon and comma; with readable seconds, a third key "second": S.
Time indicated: {"hour": 10, "minute": 52}
